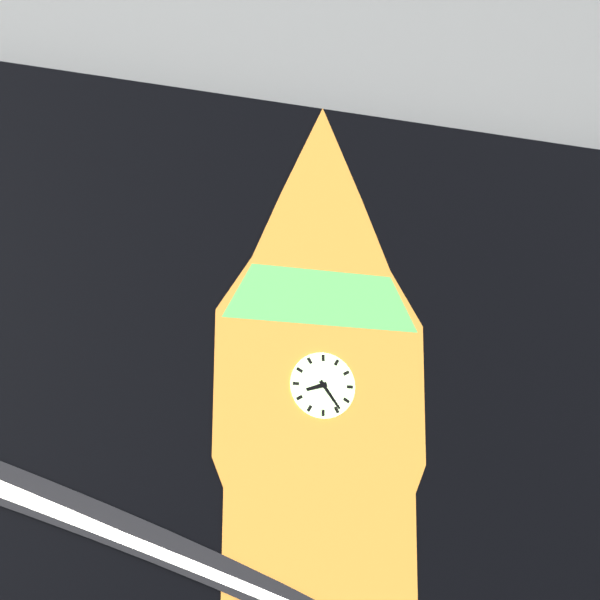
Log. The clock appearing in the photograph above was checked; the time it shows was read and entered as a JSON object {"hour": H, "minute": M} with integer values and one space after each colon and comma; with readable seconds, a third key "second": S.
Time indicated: {"hour": 8, "minute": 24}
